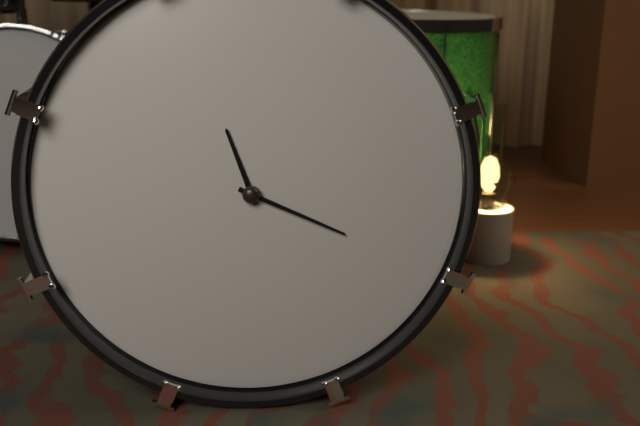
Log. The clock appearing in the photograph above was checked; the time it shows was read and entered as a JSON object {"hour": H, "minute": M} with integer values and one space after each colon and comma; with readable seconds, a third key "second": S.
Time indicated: {"hour": 11, "minute": 19}
